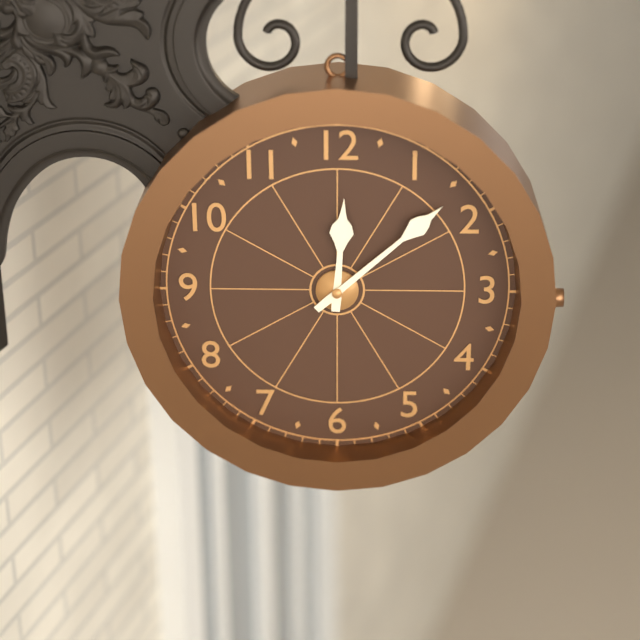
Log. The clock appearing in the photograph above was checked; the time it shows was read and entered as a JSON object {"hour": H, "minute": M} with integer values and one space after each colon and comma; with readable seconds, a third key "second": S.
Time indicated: {"hour": 12, "minute": 8}
